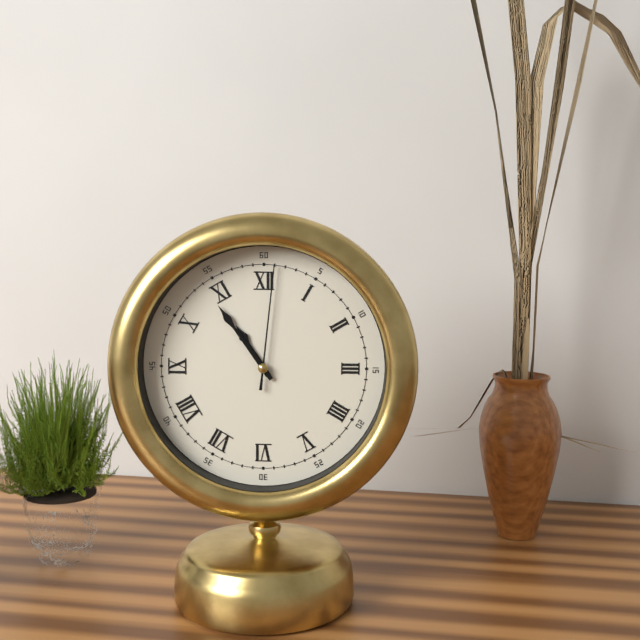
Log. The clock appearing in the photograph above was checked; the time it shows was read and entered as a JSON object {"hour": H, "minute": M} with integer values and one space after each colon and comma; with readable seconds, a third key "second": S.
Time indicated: {"hour": 10, "minute": 54, "second": 1}
